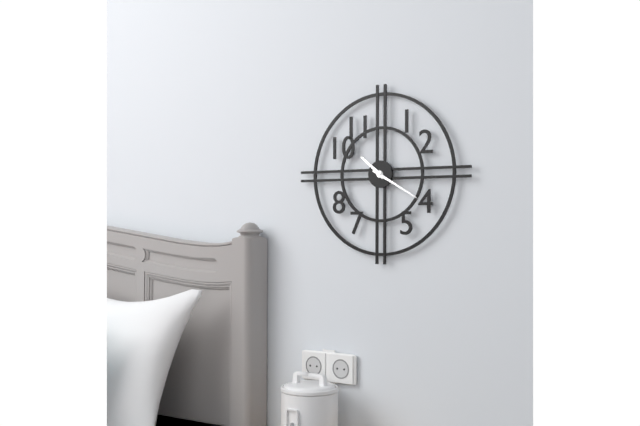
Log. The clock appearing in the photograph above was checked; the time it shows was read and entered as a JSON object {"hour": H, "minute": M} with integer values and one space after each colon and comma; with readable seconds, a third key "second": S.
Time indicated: {"hour": 10, "minute": 20}
